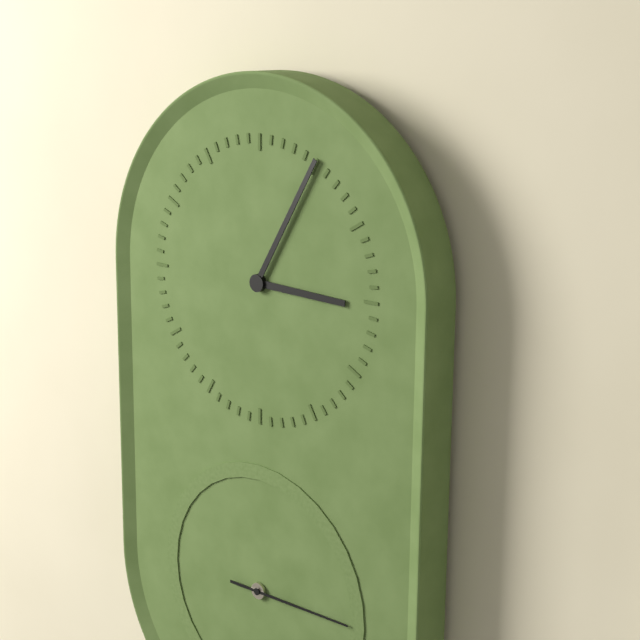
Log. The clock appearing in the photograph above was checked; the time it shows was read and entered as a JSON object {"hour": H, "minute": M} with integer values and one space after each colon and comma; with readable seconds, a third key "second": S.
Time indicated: {"hour": 3, "minute": 5, "second": 15}
